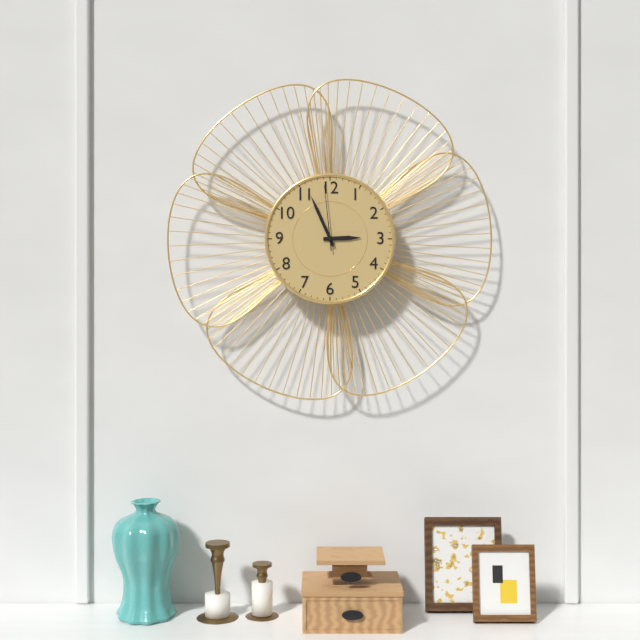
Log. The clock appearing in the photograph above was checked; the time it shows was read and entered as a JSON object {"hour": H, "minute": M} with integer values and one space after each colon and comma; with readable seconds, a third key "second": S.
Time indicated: {"hour": 2, "minute": 56, "second": 59}
